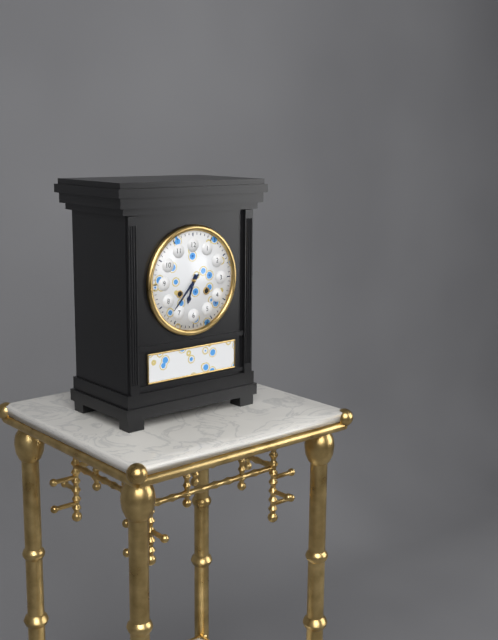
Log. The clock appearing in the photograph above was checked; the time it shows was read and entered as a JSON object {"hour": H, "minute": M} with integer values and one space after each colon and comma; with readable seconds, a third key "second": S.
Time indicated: {"hour": 6, "minute": 37}
